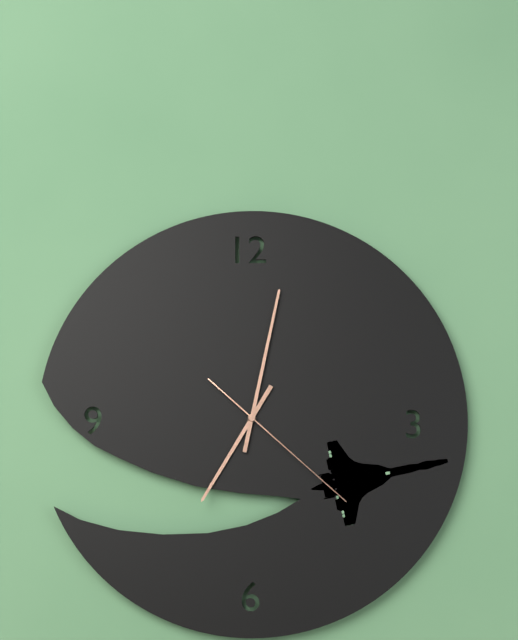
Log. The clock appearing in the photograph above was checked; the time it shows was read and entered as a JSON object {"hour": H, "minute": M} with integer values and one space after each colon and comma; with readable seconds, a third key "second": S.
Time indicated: {"hour": 7, "minute": 2, "second": 22}
